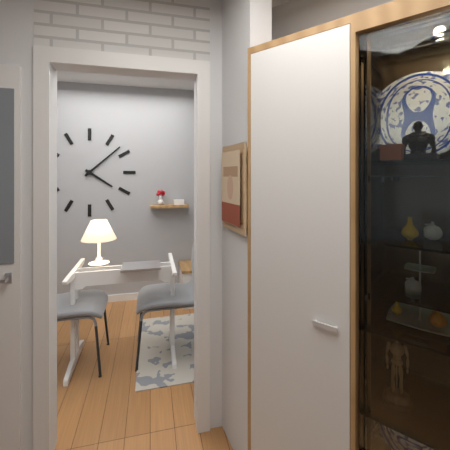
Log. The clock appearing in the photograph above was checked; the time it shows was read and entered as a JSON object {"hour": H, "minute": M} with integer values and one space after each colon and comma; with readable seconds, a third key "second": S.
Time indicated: {"hour": 4, "minute": 8}
